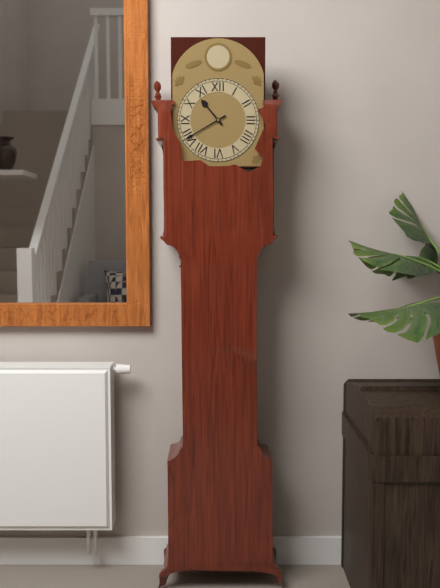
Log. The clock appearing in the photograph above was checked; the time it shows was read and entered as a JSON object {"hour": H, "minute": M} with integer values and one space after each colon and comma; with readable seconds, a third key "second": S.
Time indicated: {"hour": 10, "minute": 40}
